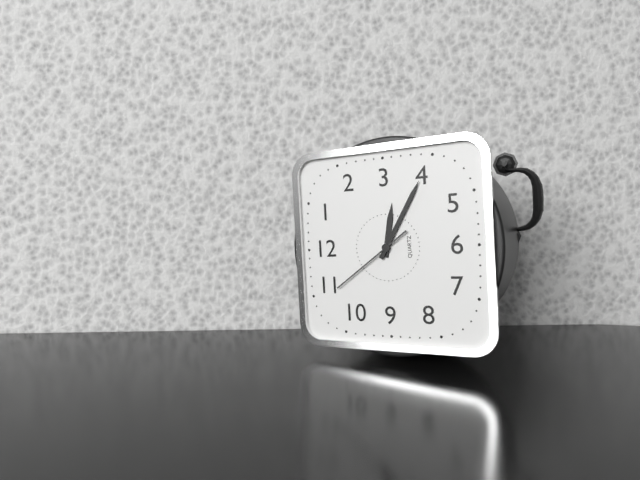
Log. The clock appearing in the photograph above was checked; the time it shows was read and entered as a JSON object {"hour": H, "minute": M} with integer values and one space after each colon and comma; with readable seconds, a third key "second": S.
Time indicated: {"hour": 3, "minute": 20, "second": 54}
